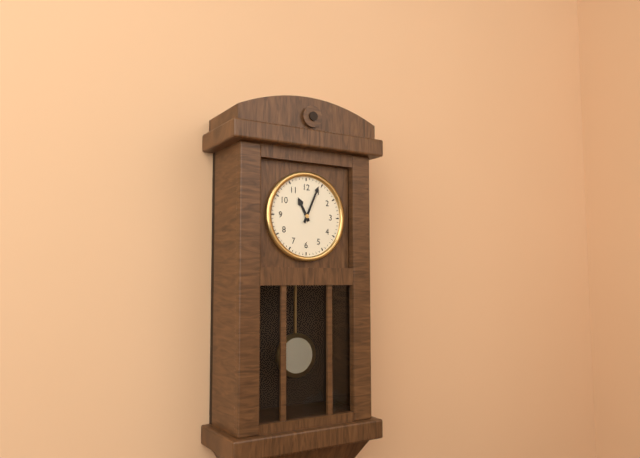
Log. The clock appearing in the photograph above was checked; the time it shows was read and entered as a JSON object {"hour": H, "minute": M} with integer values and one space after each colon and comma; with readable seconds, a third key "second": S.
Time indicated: {"hour": 11, "minute": 4}
